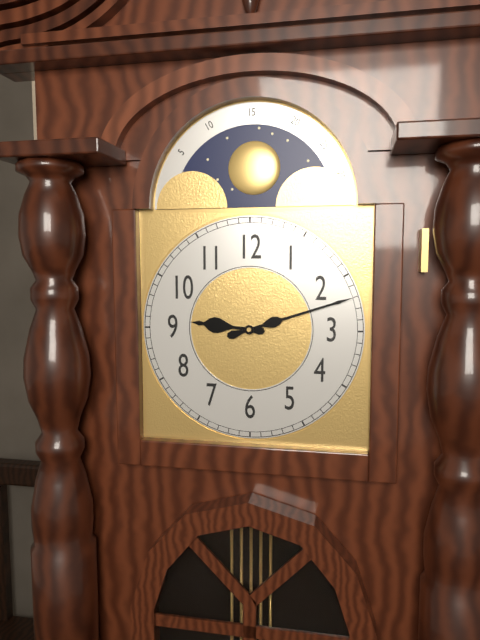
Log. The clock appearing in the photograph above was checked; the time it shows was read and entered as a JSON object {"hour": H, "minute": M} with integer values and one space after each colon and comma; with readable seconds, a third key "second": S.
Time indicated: {"hour": 9, "minute": 12}
